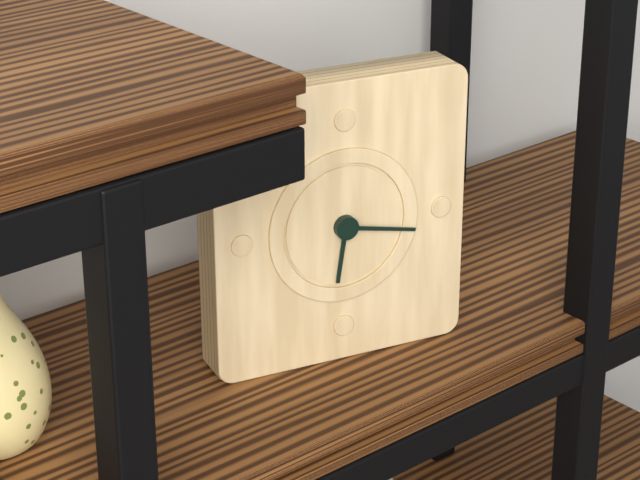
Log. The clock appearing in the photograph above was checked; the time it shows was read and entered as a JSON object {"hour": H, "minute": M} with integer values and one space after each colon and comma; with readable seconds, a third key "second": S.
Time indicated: {"hour": 6, "minute": 17}
